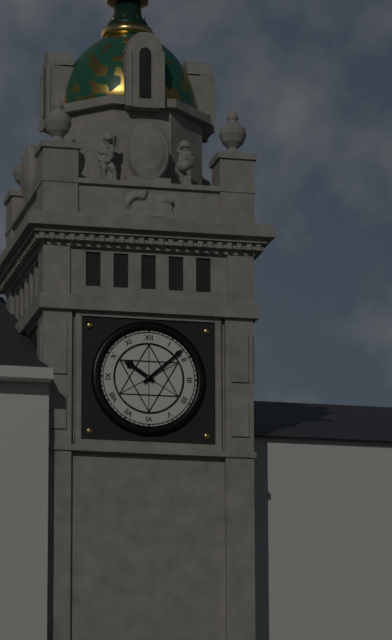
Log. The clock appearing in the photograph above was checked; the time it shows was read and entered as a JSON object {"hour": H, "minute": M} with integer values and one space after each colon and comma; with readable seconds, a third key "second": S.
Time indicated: {"hour": 10, "minute": 8}
